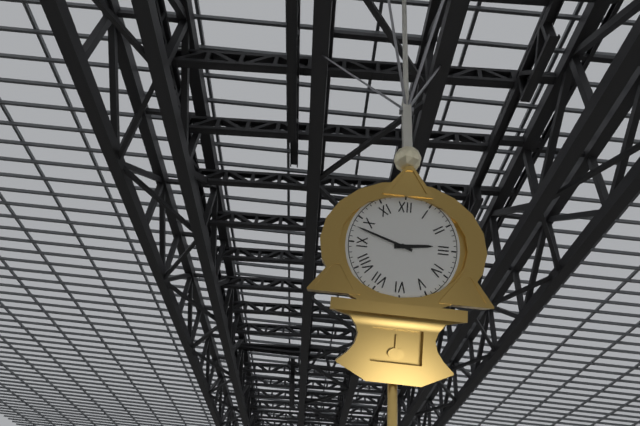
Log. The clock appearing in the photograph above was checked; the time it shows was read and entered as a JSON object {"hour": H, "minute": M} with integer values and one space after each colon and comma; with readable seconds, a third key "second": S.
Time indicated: {"hour": 2, "minute": 48}
